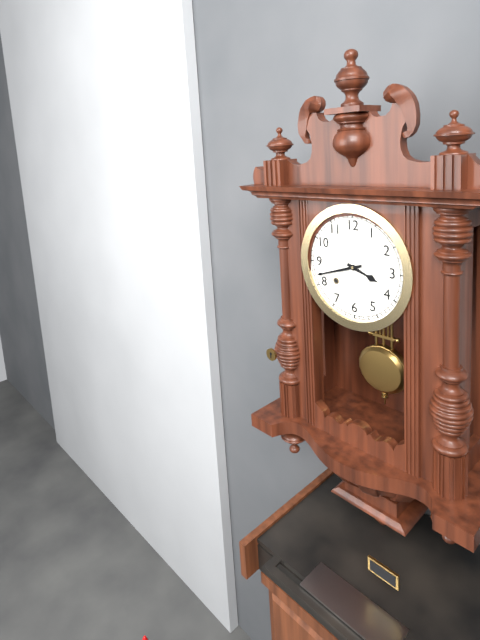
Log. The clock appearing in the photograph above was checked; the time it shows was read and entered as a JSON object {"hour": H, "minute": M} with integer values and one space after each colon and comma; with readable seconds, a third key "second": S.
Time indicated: {"hour": 3, "minute": 42}
